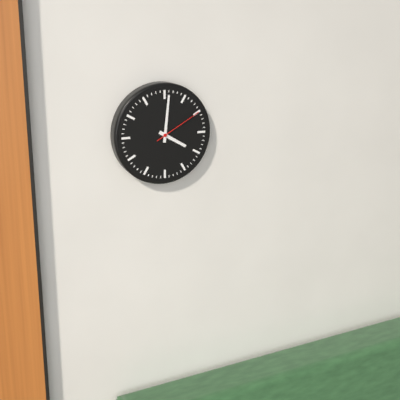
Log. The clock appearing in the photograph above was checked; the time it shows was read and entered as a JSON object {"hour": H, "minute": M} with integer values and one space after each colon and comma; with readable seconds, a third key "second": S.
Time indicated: {"hour": 4, "minute": 1, "second": 10}
